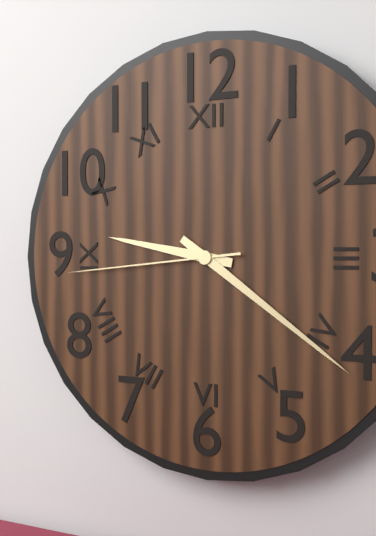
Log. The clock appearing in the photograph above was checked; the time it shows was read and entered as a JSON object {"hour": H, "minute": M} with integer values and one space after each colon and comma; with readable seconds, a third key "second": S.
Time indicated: {"hour": 9, "minute": 21, "second": 44}
